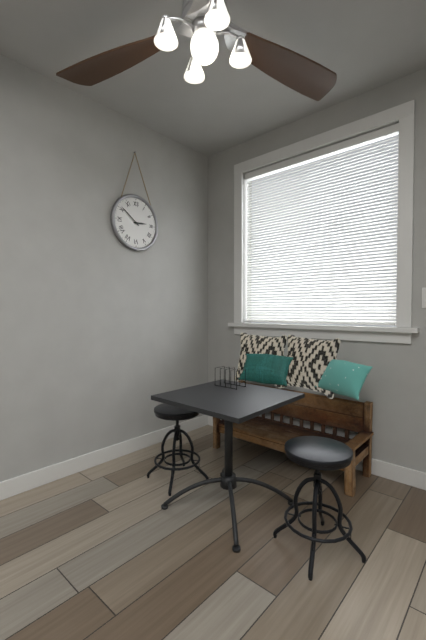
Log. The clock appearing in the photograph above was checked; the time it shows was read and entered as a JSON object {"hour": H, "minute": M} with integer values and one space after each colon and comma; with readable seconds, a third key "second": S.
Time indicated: {"hour": 2, "minute": 51}
